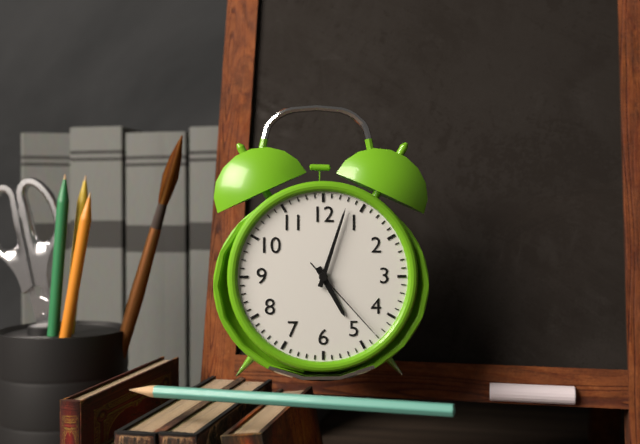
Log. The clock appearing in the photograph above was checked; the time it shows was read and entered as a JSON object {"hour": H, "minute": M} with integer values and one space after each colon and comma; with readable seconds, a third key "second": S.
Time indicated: {"hour": 5, "minute": 3, "second": 23}
